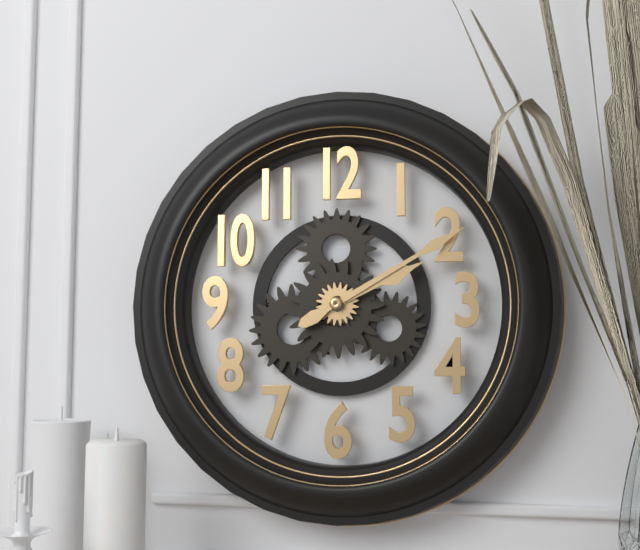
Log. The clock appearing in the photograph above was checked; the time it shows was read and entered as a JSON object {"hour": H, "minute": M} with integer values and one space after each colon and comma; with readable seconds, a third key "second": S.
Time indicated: {"hour": 2, "minute": 10}
